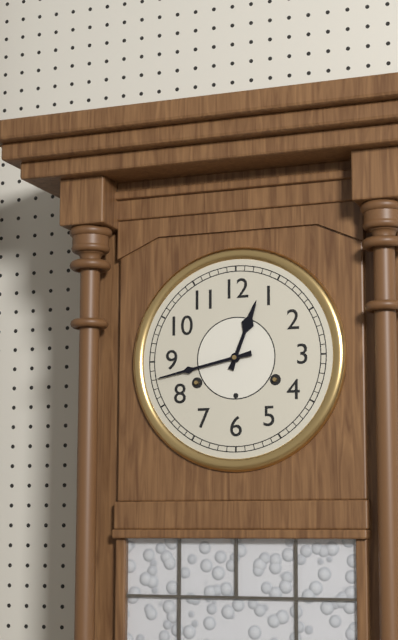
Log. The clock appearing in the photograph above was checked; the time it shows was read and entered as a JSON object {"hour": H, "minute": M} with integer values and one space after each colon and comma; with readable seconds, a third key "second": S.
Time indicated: {"hour": 12, "minute": 43}
